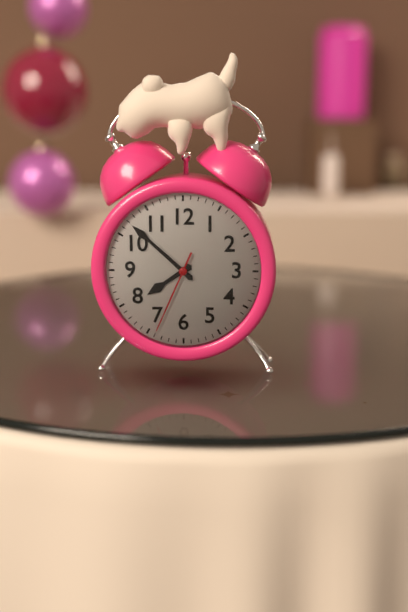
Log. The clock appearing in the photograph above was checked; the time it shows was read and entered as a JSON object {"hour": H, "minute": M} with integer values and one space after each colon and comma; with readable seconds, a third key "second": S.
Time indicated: {"hour": 7, "minute": 52, "second": 34}
